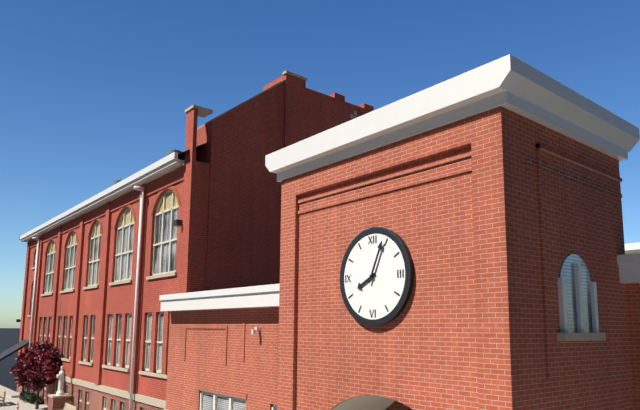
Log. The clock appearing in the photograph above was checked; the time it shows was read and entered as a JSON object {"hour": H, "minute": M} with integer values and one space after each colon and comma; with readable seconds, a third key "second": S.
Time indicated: {"hour": 8, "minute": 4}
